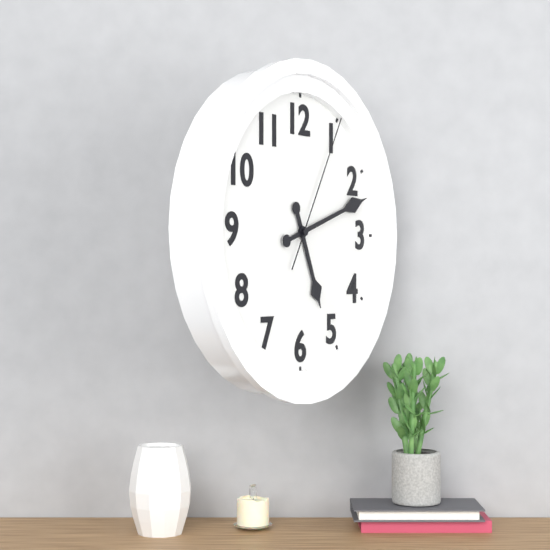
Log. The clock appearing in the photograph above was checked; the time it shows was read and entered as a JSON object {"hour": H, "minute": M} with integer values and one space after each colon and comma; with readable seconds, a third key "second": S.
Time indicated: {"hour": 5, "minute": 12, "second": 5}
